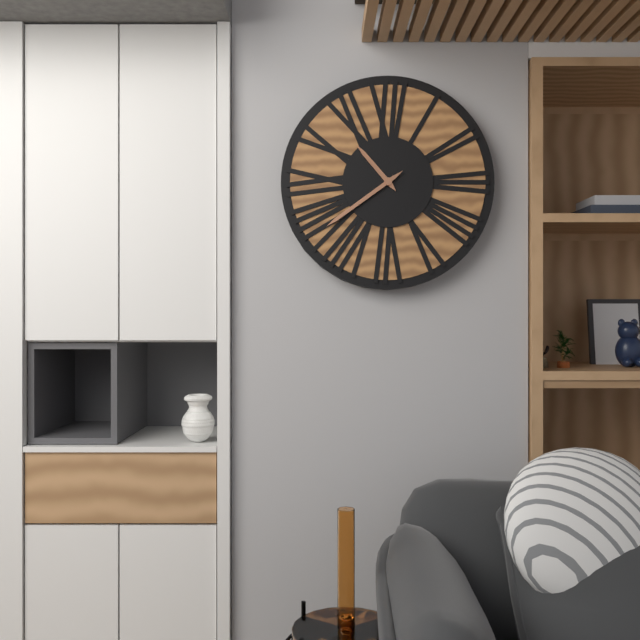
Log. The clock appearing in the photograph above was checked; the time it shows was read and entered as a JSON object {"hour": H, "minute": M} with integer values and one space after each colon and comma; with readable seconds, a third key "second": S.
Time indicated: {"hour": 10, "minute": 39}
